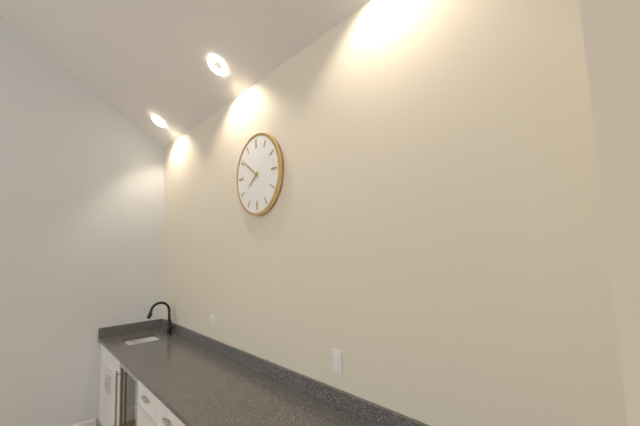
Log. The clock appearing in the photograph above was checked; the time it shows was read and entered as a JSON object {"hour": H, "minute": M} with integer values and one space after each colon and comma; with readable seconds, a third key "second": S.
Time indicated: {"hour": 7, "minute": 51}
